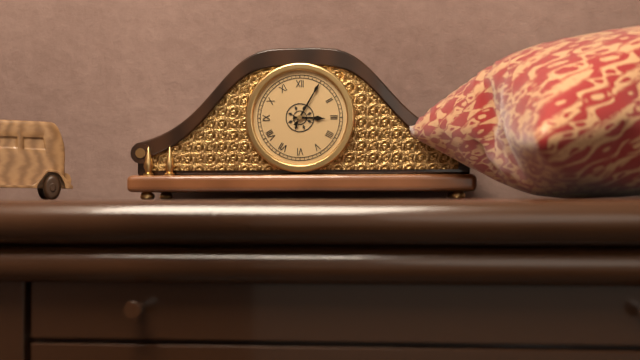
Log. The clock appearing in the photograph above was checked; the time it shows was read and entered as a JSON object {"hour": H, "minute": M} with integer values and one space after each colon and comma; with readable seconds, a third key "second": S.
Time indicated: {"hour": 3, "minute": 5}
